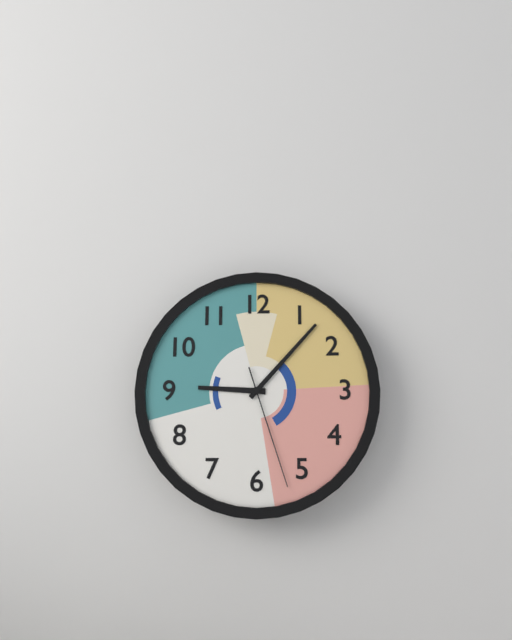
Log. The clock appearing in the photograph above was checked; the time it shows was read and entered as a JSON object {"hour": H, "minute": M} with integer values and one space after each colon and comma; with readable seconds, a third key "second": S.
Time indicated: {"hour": 9, "minute": 7, "second": 27}
